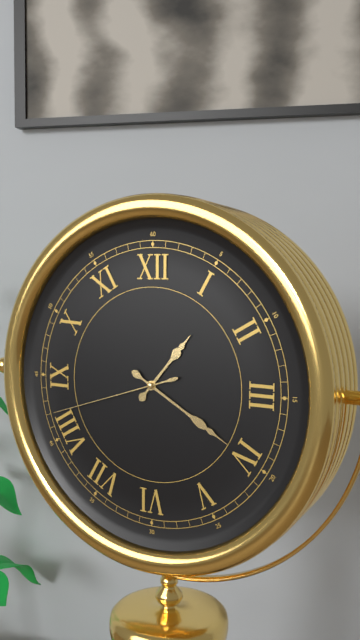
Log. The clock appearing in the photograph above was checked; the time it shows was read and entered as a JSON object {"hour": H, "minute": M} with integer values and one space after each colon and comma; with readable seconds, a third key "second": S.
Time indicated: {"hour": 1, "minute": 20, "second": 42}
